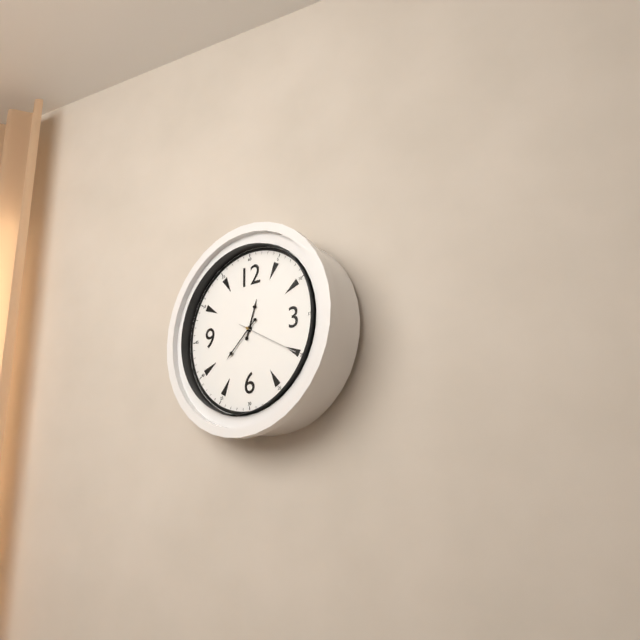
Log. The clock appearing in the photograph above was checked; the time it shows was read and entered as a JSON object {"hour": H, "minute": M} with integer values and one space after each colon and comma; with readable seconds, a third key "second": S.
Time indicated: {"hour": 12, "minute": 38, "second": 20}
